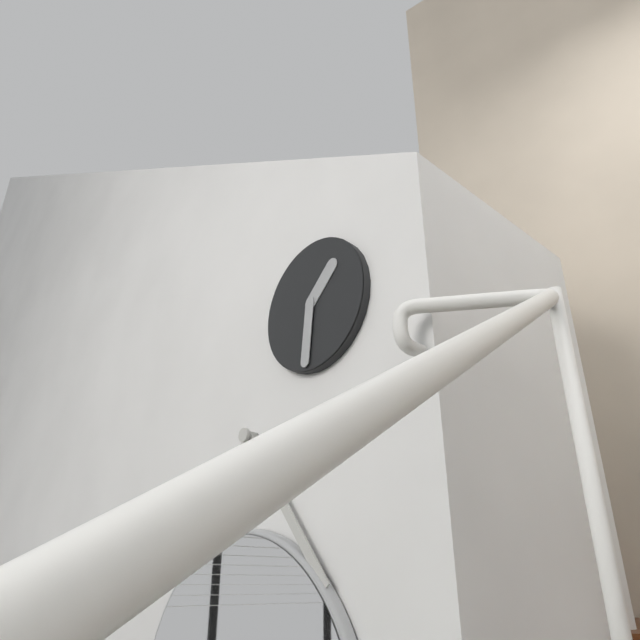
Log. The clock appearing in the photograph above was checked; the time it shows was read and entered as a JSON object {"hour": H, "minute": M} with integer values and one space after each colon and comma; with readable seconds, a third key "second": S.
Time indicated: {"hour": 1, "minute": 31}
